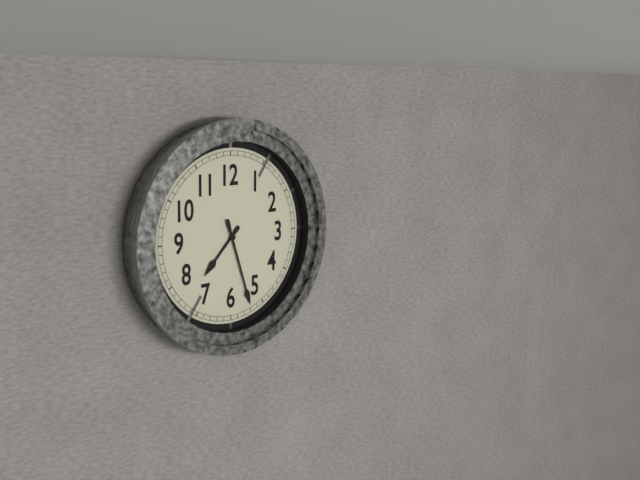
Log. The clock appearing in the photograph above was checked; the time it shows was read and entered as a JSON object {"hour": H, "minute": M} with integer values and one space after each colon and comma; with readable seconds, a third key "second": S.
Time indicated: {"hour": 7, "minute": 27}
